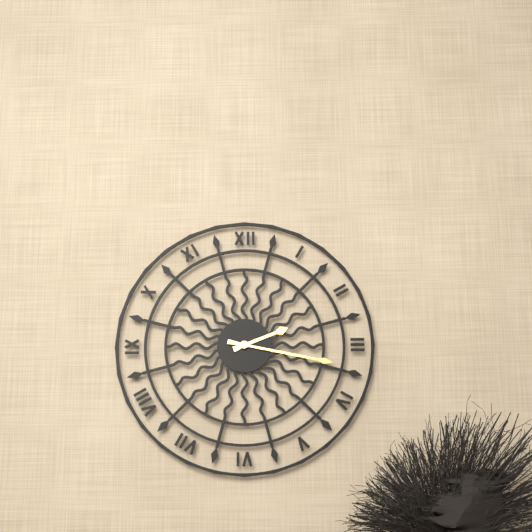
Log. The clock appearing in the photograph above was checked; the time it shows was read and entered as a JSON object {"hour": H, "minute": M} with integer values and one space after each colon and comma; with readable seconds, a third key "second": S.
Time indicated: {"hour": 2, "minute": 17}
